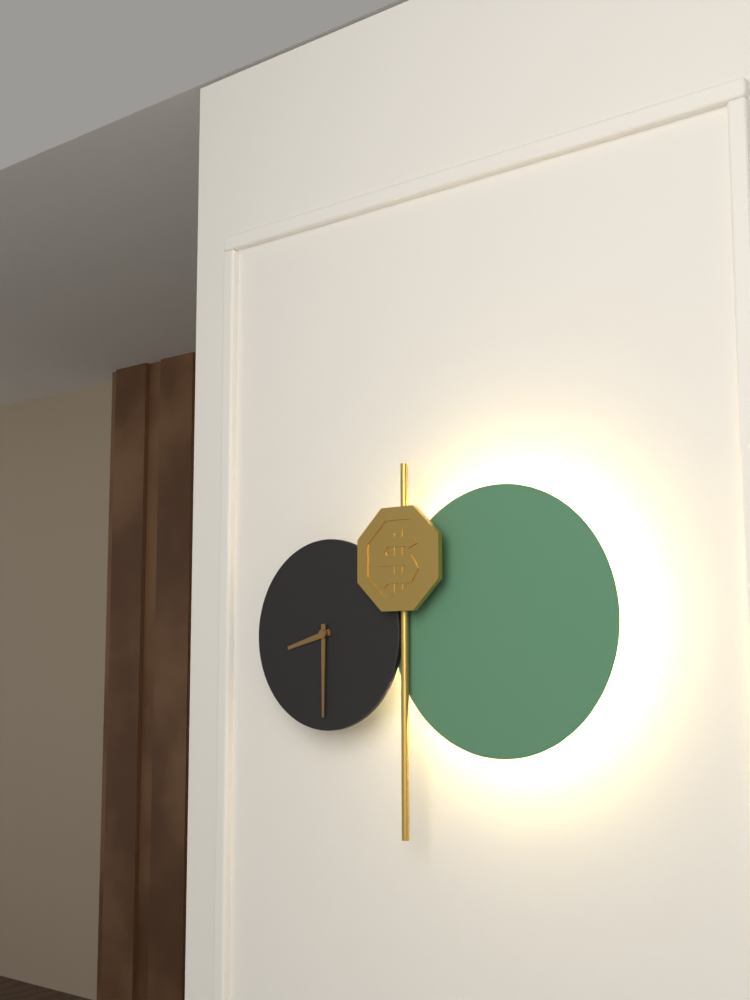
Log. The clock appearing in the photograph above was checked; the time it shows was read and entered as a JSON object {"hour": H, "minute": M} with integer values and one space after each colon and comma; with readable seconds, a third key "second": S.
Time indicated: {"hour": 8, "minute": 30}
